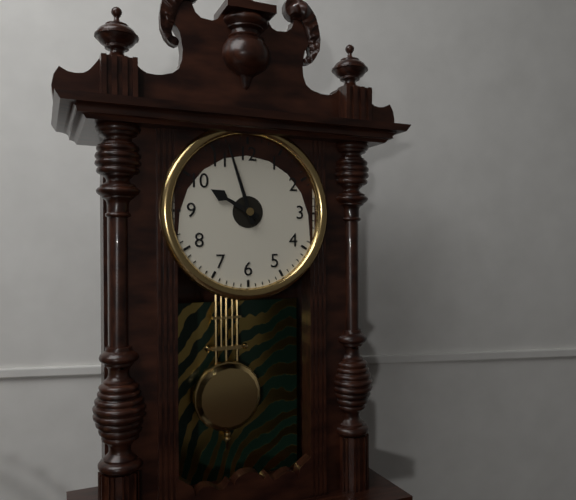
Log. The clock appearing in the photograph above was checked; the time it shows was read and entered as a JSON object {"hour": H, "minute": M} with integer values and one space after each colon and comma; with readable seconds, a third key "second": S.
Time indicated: {"hour": 9, "minute": 57}
